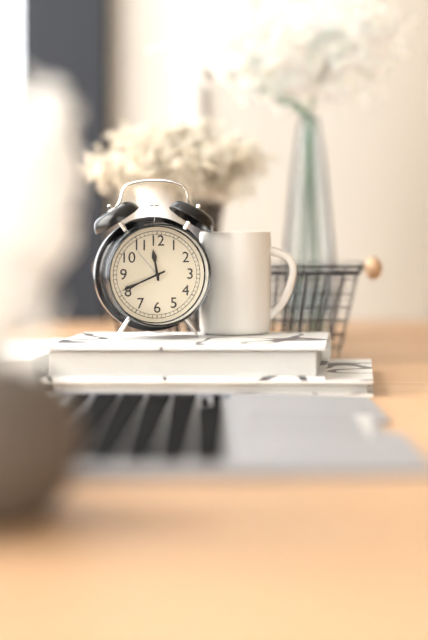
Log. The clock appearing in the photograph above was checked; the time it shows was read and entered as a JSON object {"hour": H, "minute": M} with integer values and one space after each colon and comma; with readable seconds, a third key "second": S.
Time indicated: {"hour": 11, "minute": 41}
